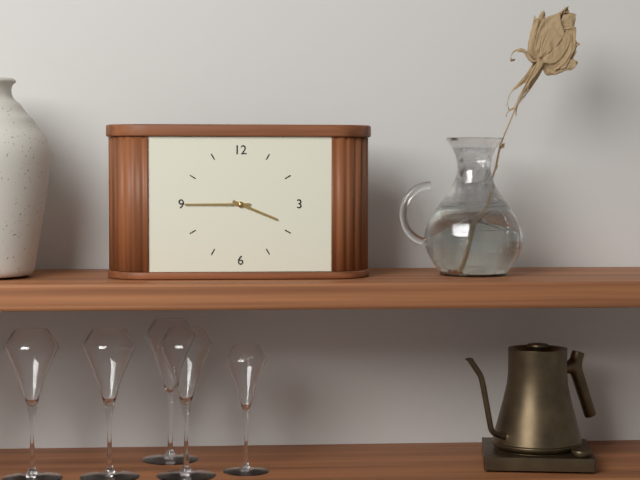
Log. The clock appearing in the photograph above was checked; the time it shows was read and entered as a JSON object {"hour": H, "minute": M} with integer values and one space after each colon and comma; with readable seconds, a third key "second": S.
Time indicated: {"hour": 3, "minute": 45}
